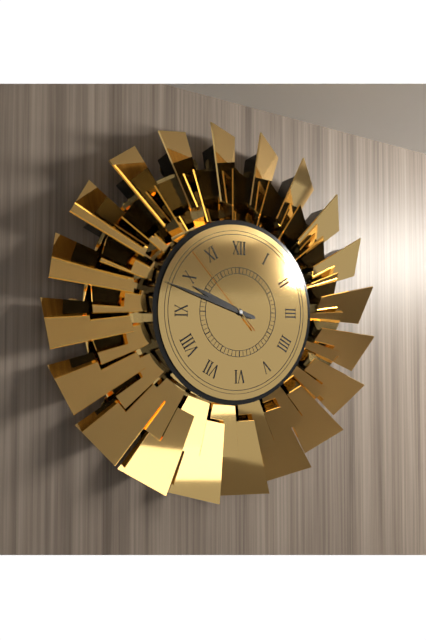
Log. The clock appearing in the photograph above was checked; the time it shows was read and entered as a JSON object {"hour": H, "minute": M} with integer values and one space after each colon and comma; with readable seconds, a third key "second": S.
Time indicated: {"hour": 9, "minute": 48, "second": 53}
